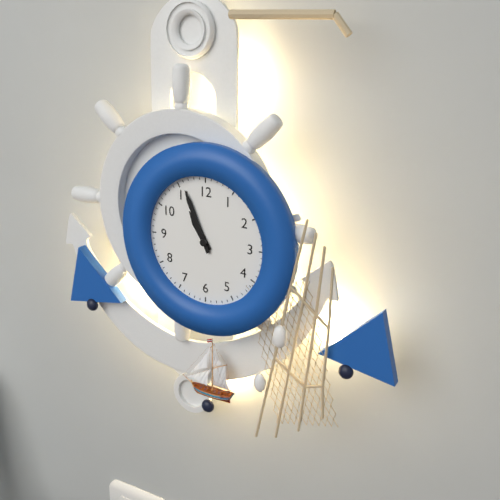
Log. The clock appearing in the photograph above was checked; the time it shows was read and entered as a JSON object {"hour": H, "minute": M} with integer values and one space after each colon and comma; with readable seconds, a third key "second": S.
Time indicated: {"hour": 10, "minute": 56}
